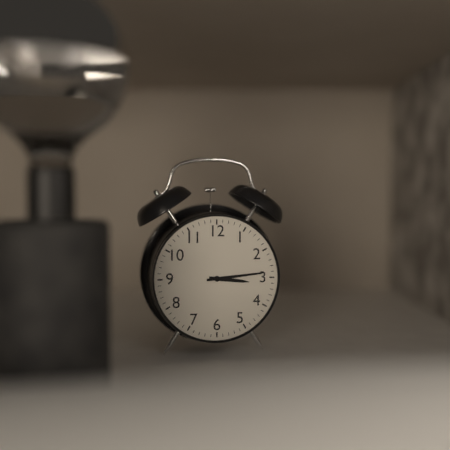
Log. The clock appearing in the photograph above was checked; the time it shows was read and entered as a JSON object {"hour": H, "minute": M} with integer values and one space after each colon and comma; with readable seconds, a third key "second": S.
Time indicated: {"hour": 3, "minute": 14}
